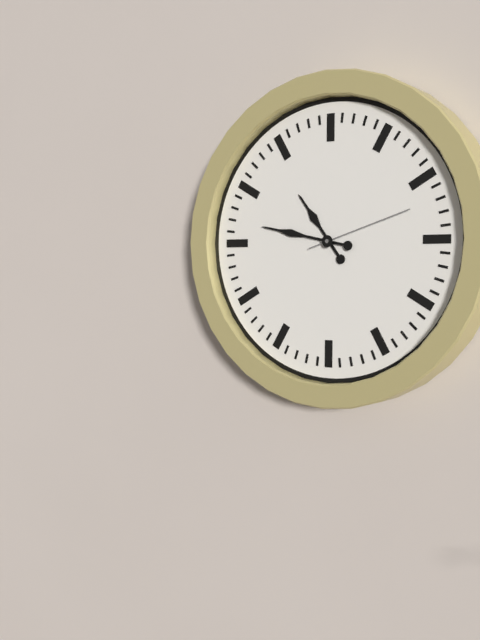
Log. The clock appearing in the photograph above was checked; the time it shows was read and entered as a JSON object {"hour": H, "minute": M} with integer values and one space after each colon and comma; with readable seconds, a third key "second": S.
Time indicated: {"hour": 10, "minute": 47, "second": 12}
